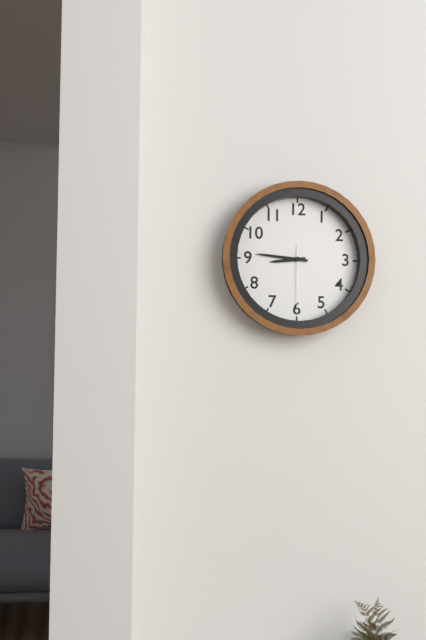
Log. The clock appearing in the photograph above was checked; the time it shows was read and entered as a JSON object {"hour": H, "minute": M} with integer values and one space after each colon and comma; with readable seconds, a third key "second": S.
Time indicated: {"hour": 8, "minute": 46, "second": 30}
